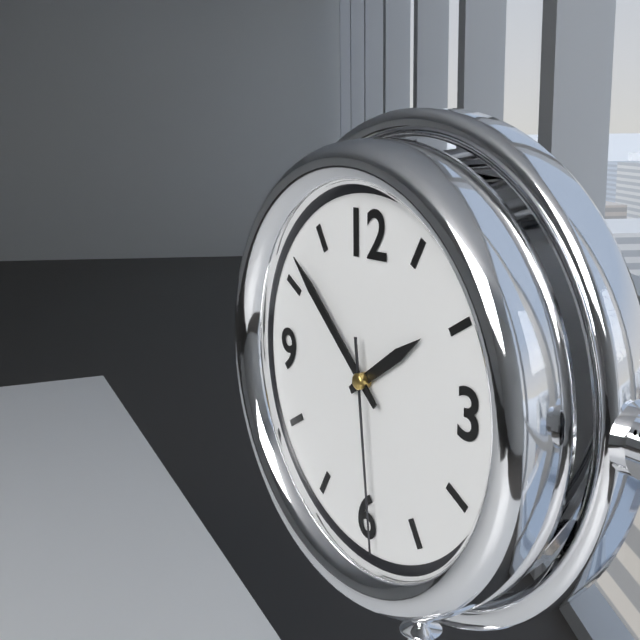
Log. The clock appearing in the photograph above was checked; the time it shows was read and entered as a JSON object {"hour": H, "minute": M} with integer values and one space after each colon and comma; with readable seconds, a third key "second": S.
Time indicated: {"hour": 1, "minute": 52, "second": 29}
